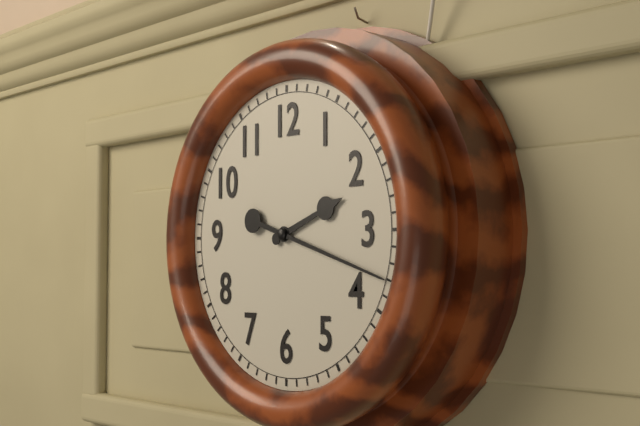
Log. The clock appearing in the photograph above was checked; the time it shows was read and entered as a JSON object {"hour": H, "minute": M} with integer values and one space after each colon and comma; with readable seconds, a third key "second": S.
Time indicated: {"hour": 2, "minute": 18}
